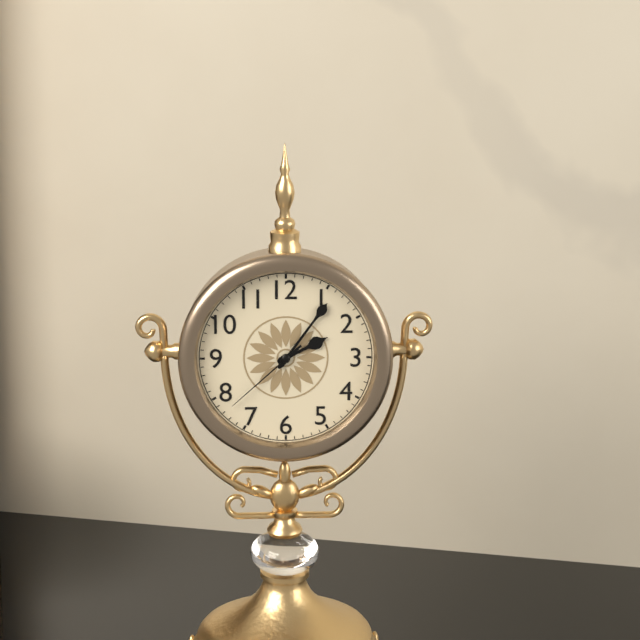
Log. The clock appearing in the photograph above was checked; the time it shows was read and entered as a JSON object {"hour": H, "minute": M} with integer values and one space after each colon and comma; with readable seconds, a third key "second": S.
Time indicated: {"hour": 2, "minute": 6, "second": 38}
